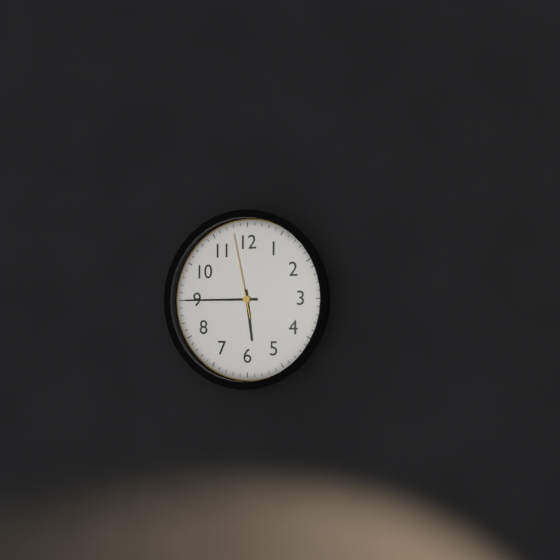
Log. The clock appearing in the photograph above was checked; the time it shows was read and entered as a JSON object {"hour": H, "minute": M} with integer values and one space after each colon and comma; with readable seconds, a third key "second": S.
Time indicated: {"hour": 5, "minute": 45, "second": 58}
